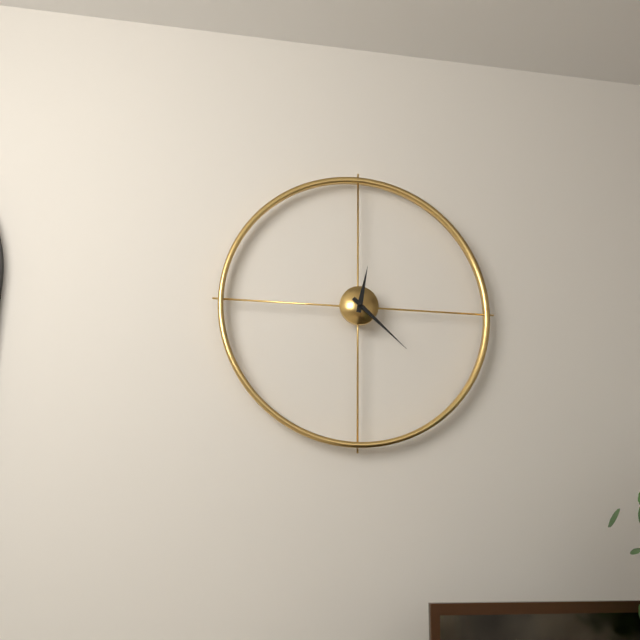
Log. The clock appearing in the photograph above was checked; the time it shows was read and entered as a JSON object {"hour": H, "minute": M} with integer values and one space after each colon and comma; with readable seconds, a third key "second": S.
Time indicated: {"hour": 12, "minute": 22}
